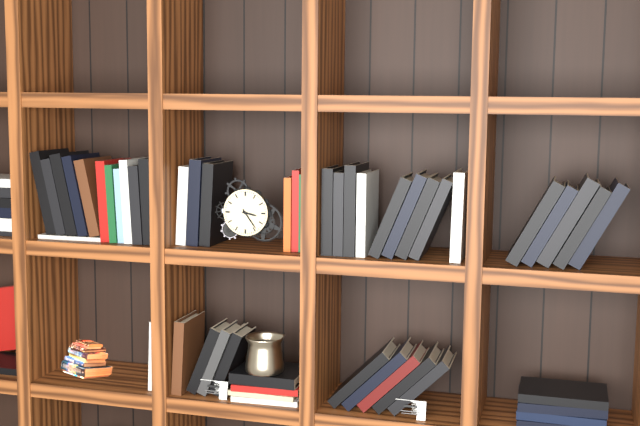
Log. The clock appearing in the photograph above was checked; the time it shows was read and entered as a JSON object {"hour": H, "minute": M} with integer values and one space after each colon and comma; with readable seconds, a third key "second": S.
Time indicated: {"hour": 3, "minute": 24}
